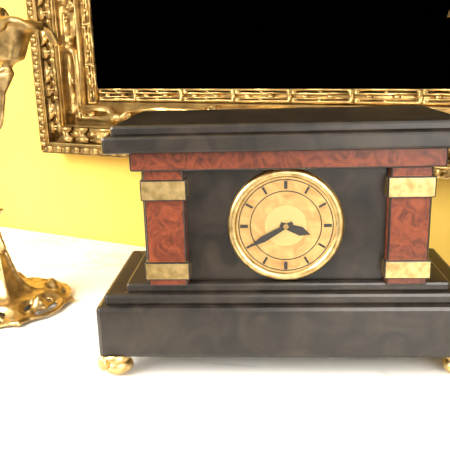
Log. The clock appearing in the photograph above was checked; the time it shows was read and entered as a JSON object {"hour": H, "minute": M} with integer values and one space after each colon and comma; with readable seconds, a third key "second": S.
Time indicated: {"hour": 3, "minute": 40}
